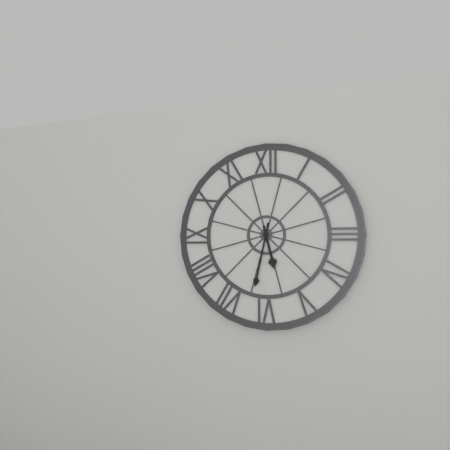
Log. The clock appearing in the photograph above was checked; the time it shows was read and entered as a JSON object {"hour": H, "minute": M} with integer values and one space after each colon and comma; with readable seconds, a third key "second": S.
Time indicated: {"hour": 5, "minute": 32}
